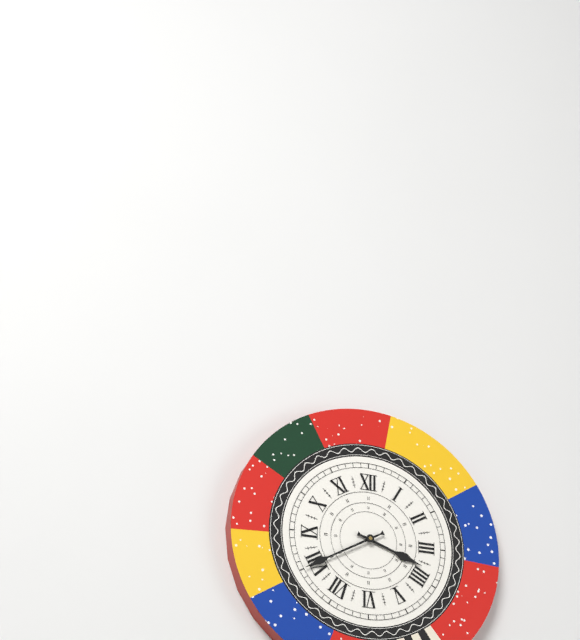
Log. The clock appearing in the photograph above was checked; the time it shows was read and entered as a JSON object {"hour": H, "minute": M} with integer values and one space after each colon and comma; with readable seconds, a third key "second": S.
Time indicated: {"hour": 3, "minute": 40}
